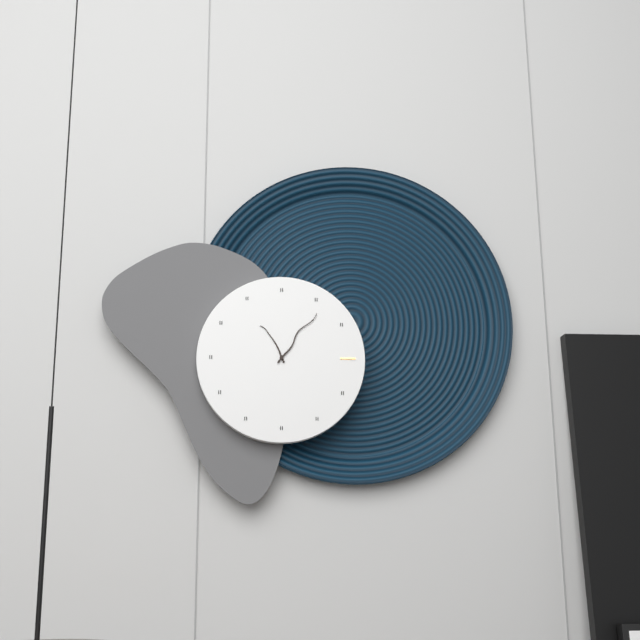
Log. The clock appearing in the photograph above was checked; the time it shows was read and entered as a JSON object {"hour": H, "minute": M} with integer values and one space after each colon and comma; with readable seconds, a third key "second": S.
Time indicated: {"hour": 11, "minute": 6}
